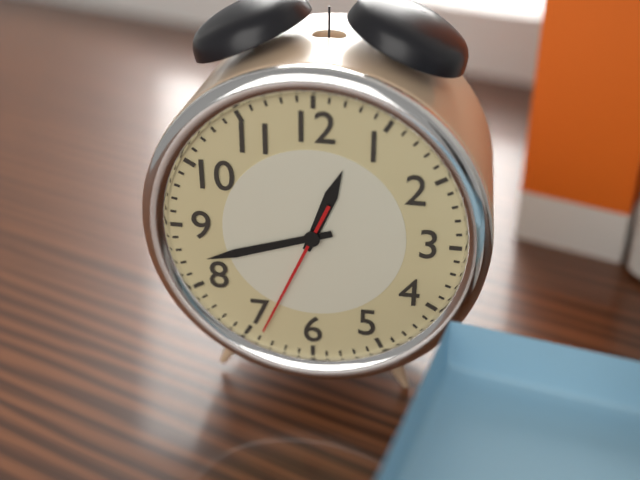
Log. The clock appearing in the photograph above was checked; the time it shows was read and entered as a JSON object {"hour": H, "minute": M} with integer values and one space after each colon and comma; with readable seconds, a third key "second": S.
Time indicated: {"hour": 12, "minute": 42, "second": 34}
